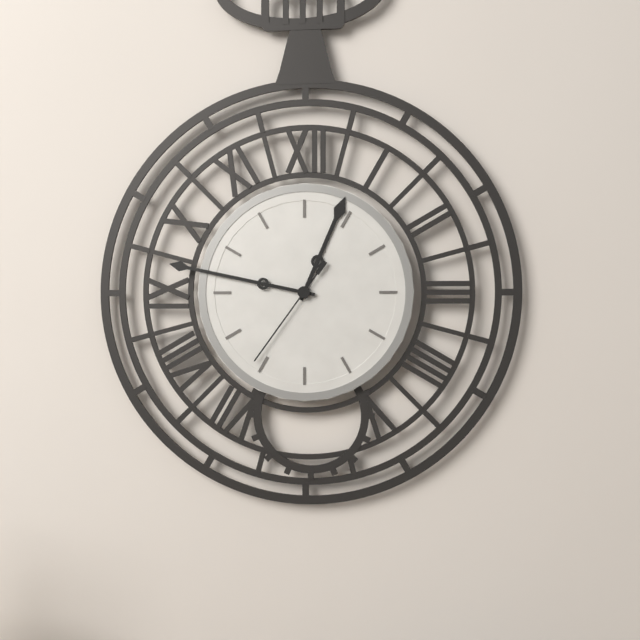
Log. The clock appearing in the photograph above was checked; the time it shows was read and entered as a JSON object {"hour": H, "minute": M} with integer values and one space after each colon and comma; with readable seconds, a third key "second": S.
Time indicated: {"hour": 12, "minute": 47, "second": 36}
